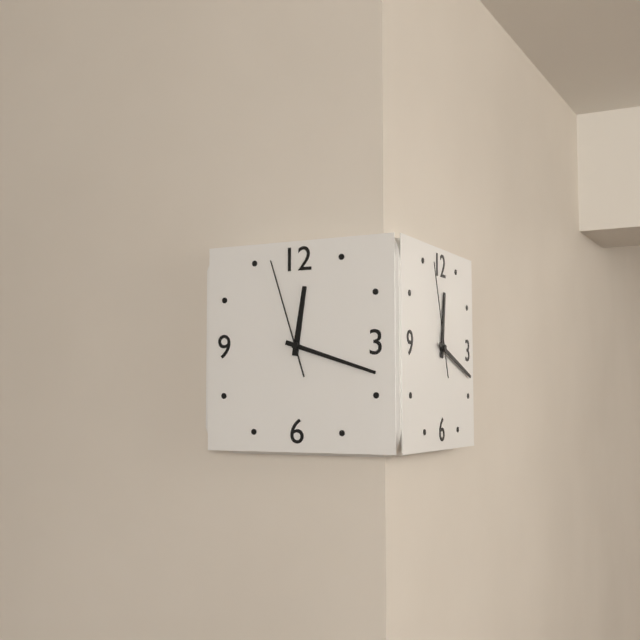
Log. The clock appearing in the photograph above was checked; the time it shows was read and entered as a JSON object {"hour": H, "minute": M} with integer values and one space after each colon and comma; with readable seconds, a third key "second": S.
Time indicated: {"hour": 12, "minute": 18, "second": 57}
